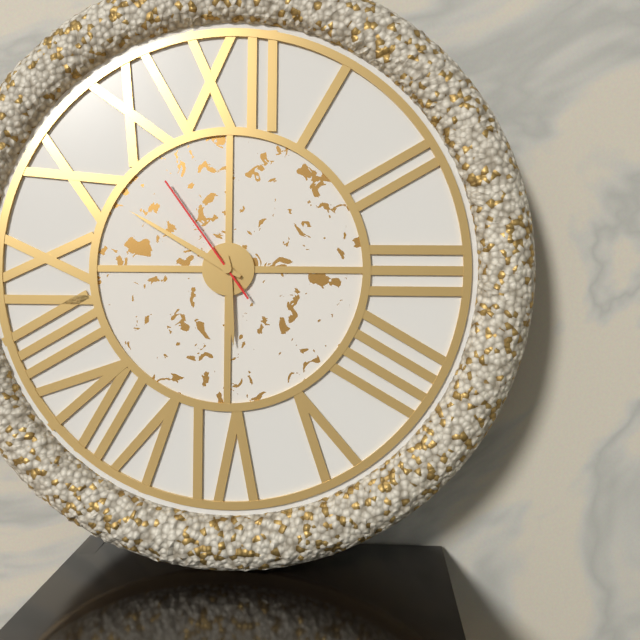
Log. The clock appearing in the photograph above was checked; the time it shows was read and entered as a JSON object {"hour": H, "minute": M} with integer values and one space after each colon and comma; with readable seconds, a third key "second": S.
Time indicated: {"hour": 5, "minute": 50, "second": 54}
